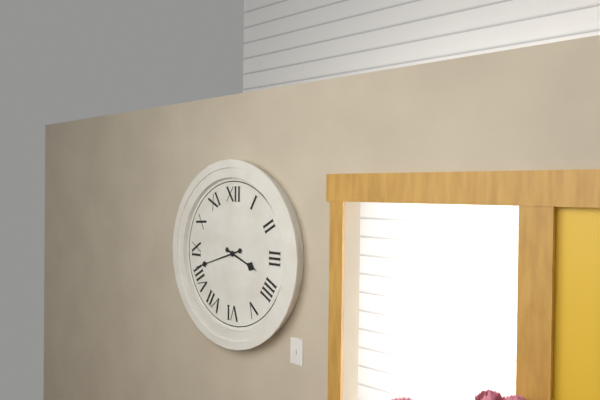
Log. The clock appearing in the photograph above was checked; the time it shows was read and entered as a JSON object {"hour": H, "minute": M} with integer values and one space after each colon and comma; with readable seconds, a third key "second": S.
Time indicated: {"hour": 3, "minute": 42}
